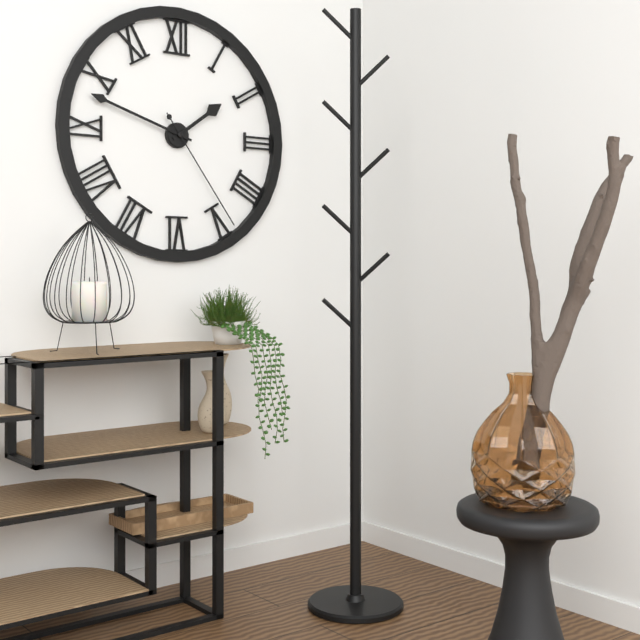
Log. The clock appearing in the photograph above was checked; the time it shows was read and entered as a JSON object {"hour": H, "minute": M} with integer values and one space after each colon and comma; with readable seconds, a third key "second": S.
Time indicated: {"hour": 1, "minute": 48, "second": 24}
